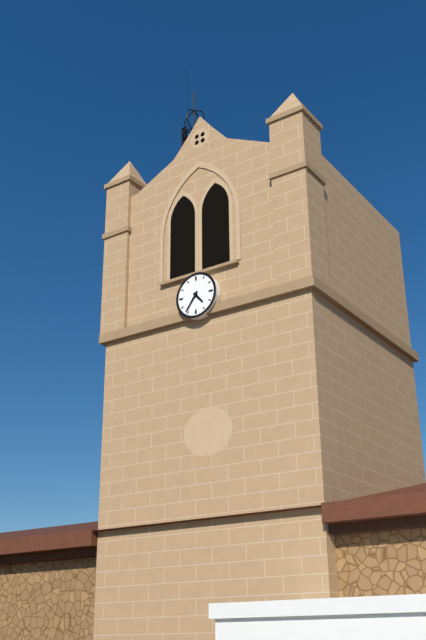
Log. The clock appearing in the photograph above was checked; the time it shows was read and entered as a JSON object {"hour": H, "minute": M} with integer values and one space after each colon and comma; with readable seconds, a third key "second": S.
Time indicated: {"hour": 4, "minute": 36}
